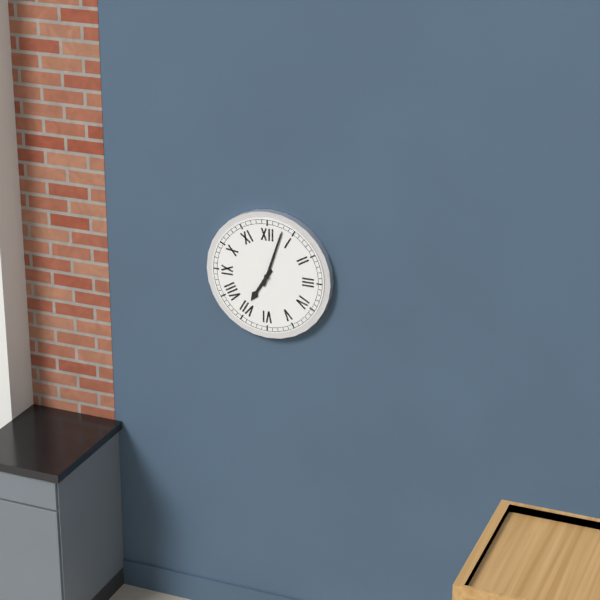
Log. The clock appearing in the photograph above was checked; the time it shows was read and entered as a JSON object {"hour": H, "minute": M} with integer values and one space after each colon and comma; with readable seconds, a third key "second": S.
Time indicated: {"hour": 7, "minute": 3}
